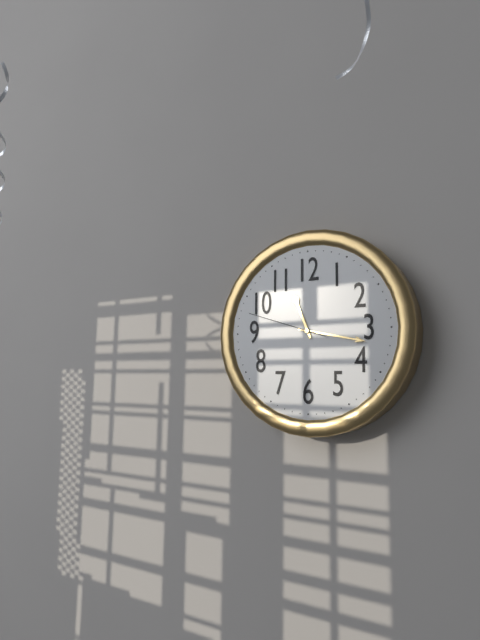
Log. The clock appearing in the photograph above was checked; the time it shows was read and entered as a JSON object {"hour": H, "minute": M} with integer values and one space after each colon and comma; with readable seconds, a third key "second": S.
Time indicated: {"hour": 11, "minute": 17, "second": 48}
